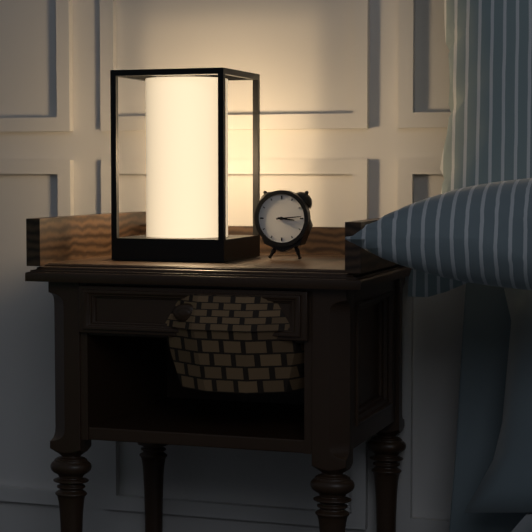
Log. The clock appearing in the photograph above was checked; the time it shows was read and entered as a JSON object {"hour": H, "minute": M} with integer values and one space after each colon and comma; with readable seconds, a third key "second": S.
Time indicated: {"hour": 3, "minute": 14}
